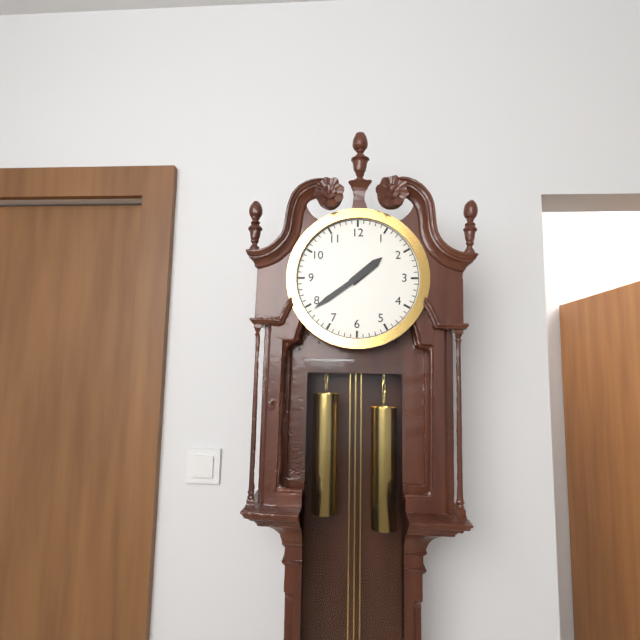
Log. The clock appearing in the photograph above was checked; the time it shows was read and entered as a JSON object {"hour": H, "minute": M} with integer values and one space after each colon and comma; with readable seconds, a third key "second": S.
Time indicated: {"hour": 1, "minute": 39}
